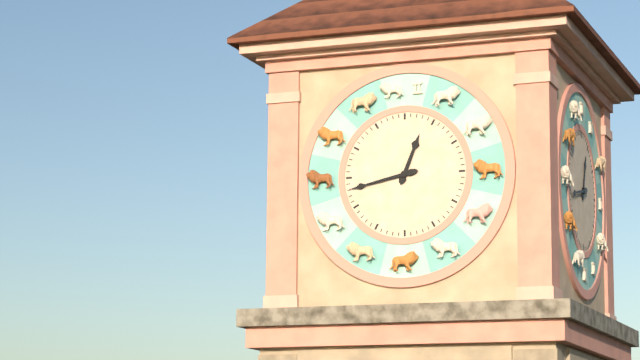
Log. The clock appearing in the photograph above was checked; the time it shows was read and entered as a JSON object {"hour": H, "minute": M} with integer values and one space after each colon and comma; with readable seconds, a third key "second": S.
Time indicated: {"hour": 12, "minute": 43}
